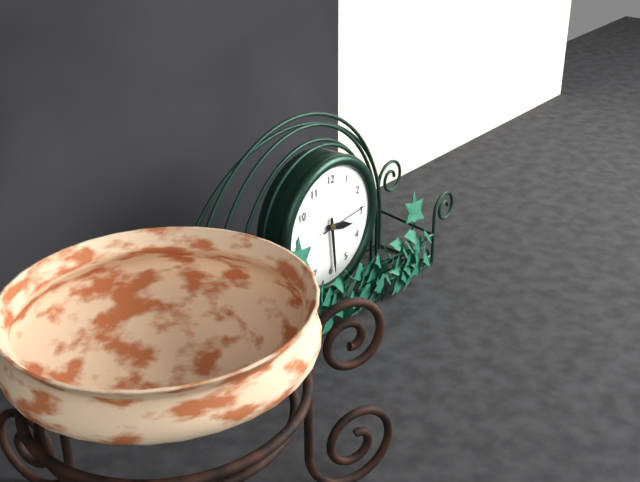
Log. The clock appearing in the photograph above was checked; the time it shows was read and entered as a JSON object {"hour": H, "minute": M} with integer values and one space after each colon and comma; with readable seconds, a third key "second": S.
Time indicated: {"hour": 3, "minute": 29}
